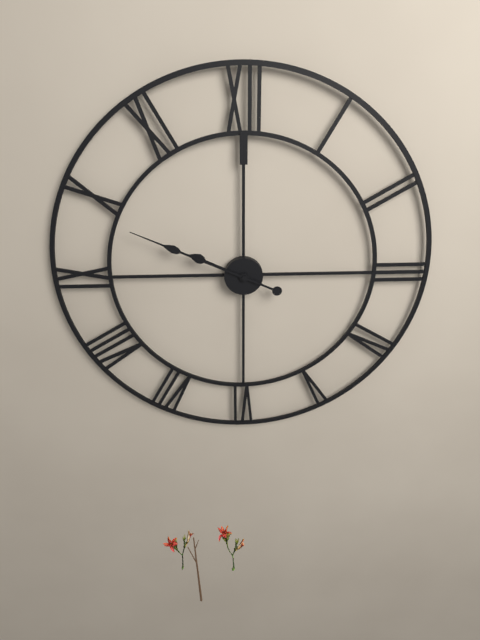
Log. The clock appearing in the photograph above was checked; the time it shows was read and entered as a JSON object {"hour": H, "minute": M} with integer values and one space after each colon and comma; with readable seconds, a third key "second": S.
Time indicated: {"hour": 9, "minute": 49}
